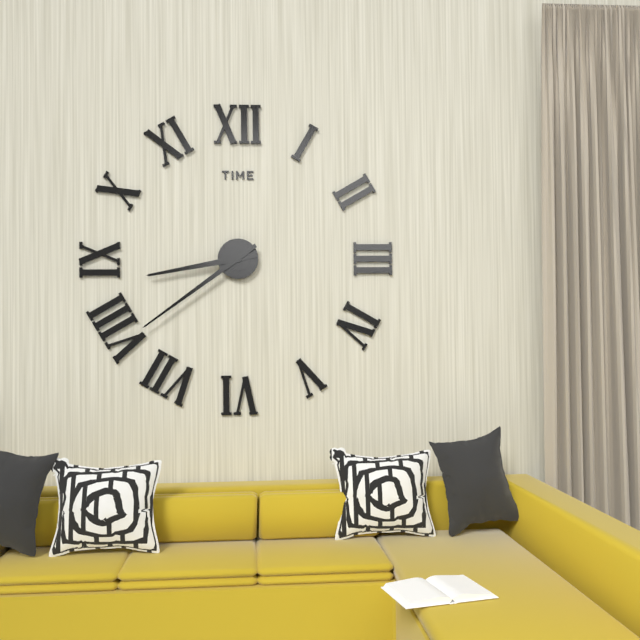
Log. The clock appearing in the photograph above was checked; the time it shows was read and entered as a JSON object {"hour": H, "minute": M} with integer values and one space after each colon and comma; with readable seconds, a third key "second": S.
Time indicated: {"hour": 8, "minute": 39}
